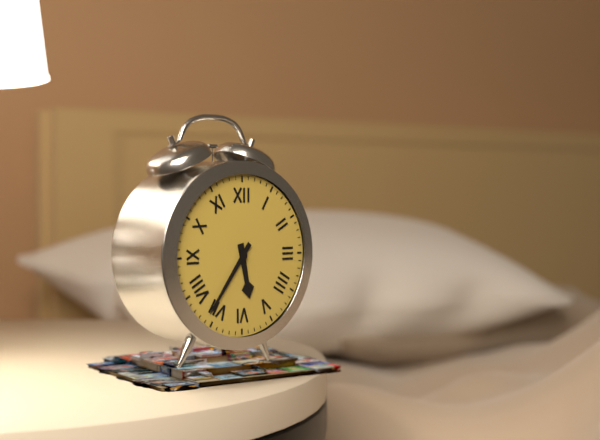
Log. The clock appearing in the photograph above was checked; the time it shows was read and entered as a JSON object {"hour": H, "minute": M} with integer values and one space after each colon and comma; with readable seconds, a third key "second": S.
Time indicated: {"hour": 5, "minute": 36}
